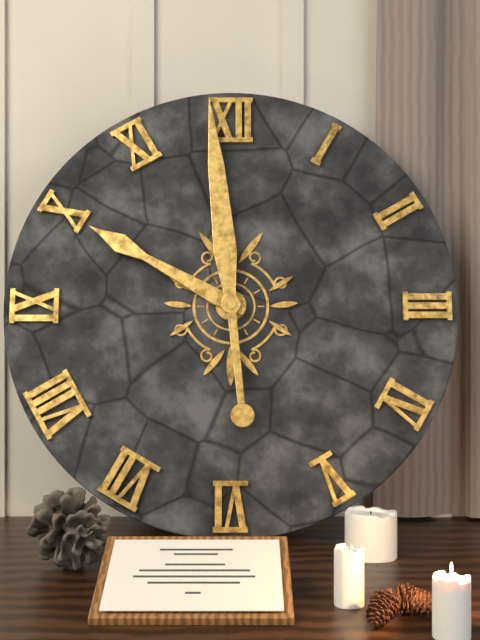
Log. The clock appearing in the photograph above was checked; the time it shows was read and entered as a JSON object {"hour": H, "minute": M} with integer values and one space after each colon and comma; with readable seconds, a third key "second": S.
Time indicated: {"hour": 9, "minute": 59}
